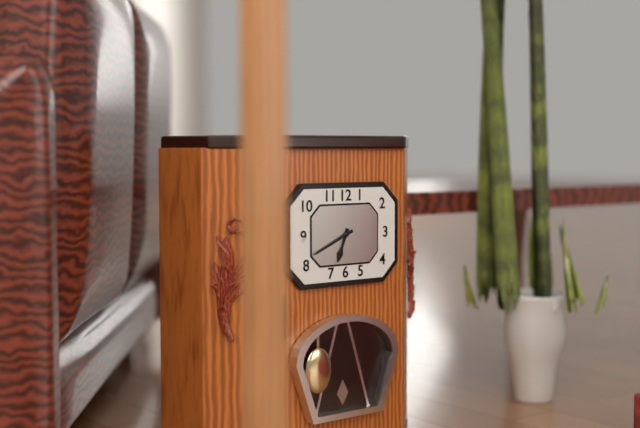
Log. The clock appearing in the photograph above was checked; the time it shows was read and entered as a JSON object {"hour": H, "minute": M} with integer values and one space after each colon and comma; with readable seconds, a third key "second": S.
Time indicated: {"hour": 6, "minute": 41}
